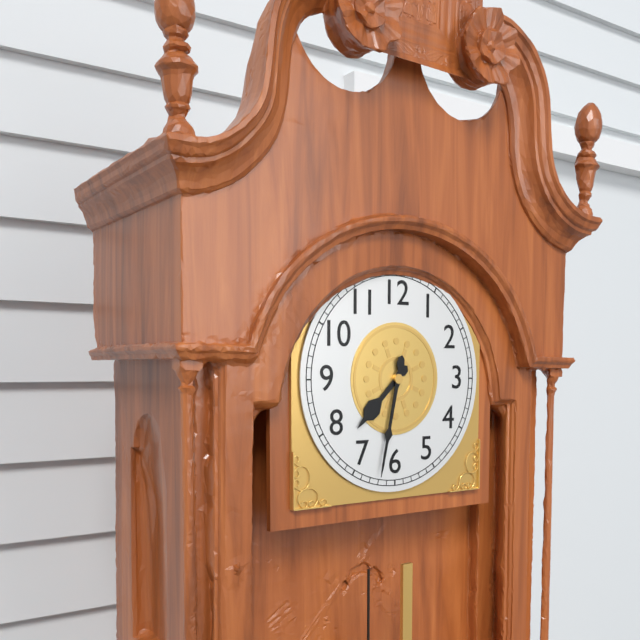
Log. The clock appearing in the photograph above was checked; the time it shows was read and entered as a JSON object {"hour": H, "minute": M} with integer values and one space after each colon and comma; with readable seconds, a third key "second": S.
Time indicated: {"hour": 7, "minute": 32}
